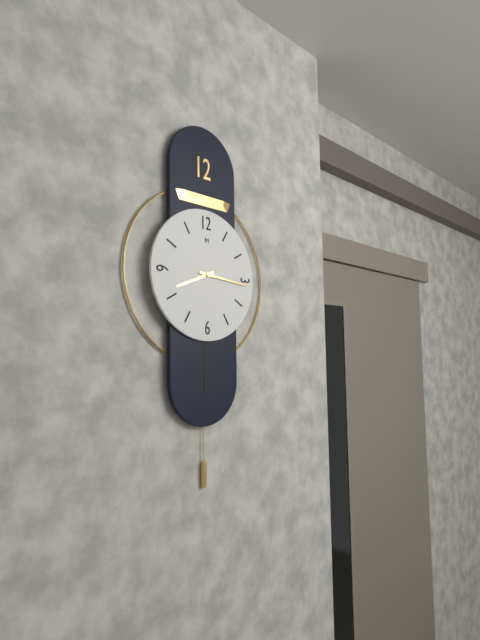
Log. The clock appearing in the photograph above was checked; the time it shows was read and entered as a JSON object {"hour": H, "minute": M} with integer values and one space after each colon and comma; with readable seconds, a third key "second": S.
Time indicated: {"hour": 8, "minute": 16}
